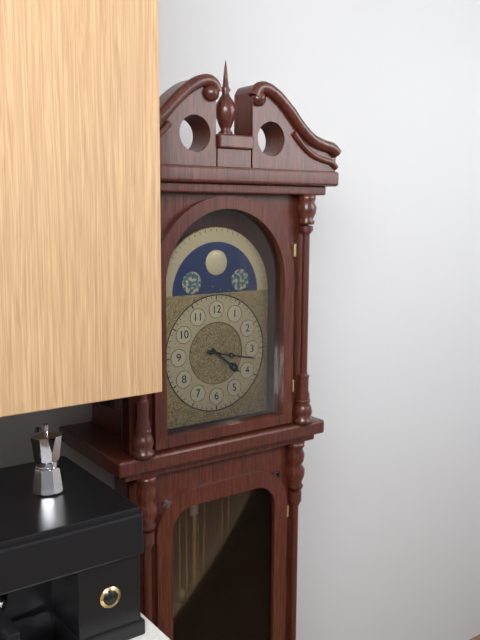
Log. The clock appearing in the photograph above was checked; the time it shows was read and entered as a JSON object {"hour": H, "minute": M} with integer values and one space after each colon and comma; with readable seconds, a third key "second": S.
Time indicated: {"hour": 4, "minute": 17}
